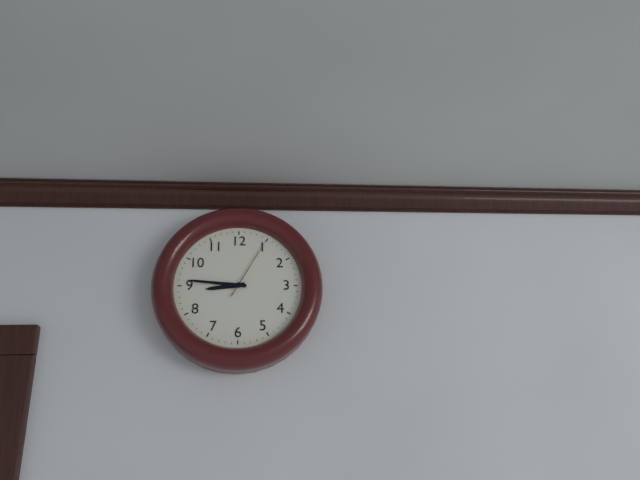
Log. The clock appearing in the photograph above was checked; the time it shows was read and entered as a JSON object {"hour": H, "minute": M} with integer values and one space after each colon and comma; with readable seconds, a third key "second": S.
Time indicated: {"hour": 8, "minute": 46, "second": 5}
